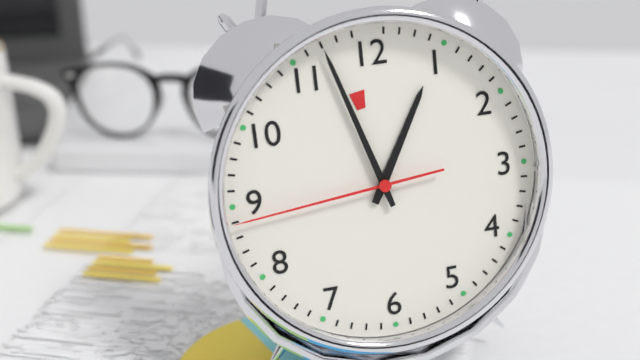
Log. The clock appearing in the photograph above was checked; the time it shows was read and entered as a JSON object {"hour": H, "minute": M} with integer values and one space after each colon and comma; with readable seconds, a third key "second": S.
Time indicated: {"hour": 12, "minute": 57, "second": 44}
